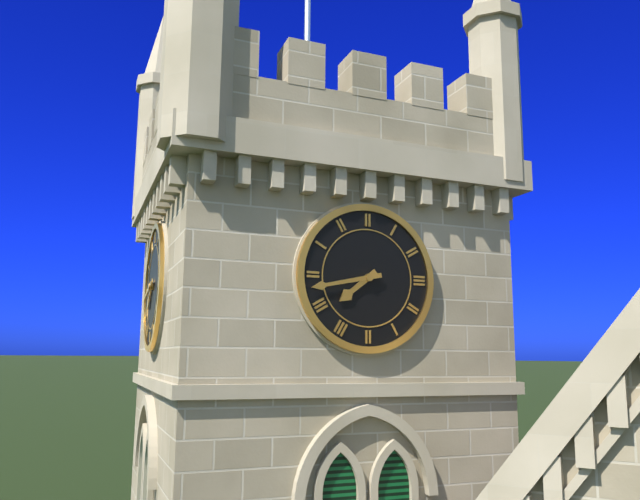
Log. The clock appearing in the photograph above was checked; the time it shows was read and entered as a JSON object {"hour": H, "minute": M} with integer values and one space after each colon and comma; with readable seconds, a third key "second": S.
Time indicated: {"hour": 7, "minute": 43}
